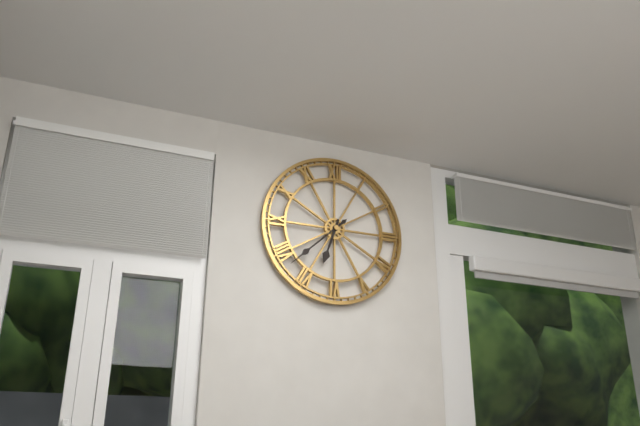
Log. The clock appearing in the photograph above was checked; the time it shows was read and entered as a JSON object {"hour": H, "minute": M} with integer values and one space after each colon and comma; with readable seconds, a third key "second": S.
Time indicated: {"hour": 6, "minute": 38}
